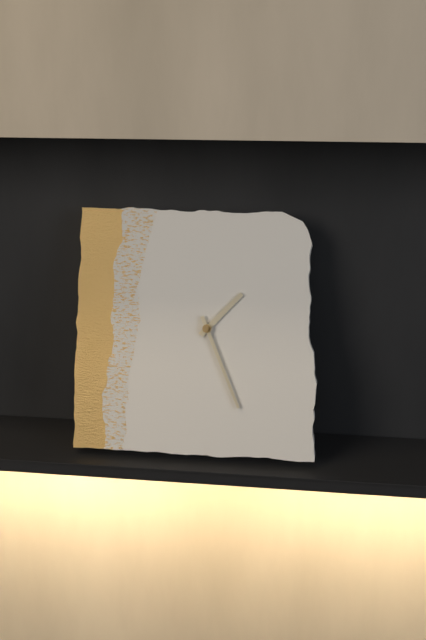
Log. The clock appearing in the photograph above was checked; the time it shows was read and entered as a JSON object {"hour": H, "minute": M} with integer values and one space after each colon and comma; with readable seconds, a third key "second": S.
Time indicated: {"hour": 1, "minute": 26}
